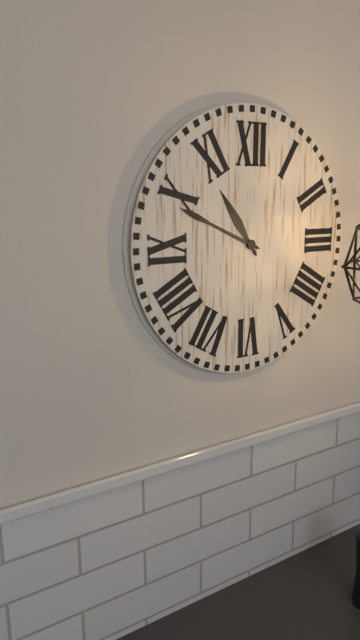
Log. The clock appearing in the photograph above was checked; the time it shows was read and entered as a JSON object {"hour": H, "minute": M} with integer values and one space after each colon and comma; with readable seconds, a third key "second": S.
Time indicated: {"hour": 10, "minute": 49}
